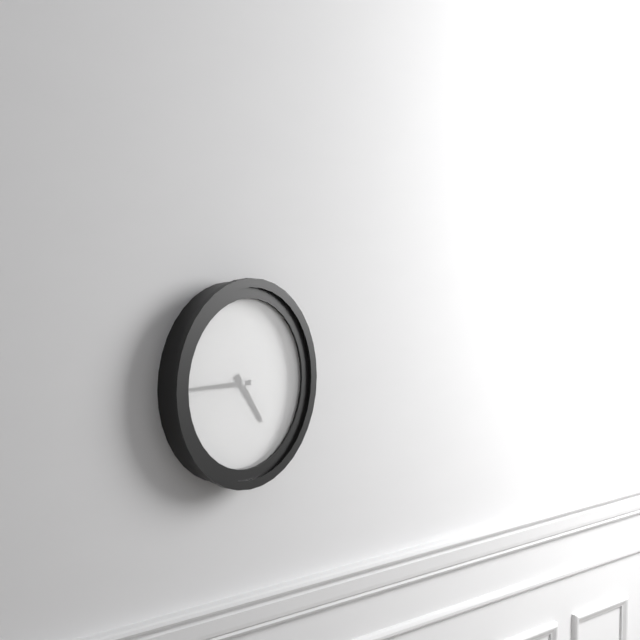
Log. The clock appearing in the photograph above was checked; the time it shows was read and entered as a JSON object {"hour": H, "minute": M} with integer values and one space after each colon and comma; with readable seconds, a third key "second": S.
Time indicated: {"hour": 4, "minute": 45}
